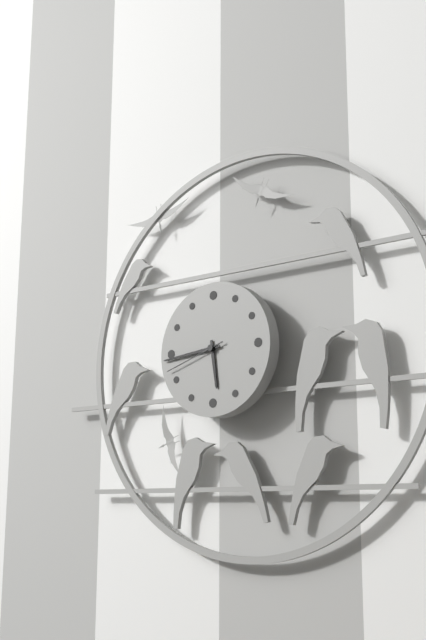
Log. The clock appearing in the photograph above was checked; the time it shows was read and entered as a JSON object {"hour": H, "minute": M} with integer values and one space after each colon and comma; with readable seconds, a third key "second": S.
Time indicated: {"hour": 5, "minute": 44, "second": 42}
